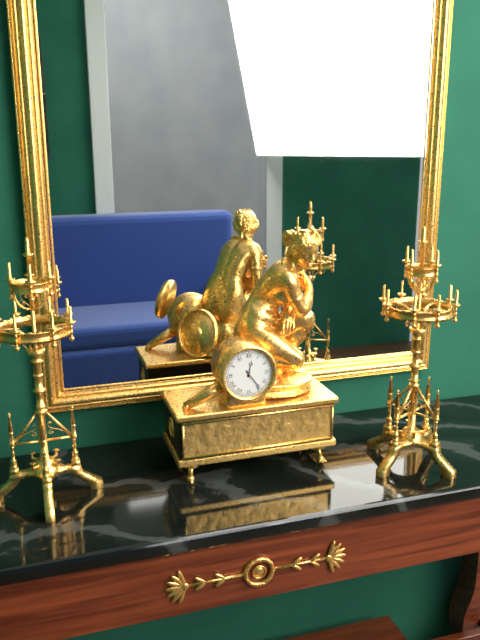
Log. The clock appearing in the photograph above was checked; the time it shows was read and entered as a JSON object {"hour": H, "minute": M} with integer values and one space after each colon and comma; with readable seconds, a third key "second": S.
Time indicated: {"hour": 12, "minute": 24}
